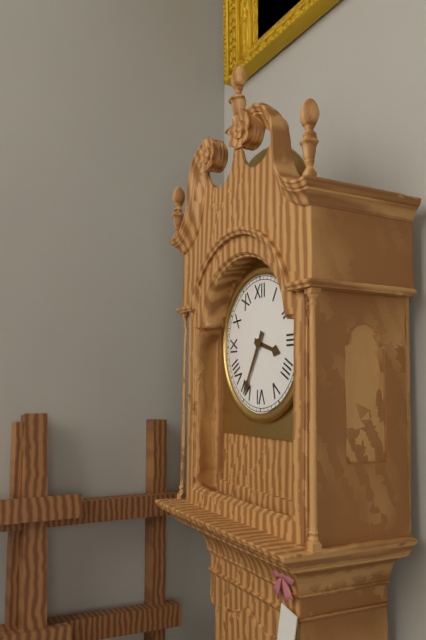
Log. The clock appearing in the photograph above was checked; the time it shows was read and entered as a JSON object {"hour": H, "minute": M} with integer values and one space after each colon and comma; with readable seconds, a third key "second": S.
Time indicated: {"hour": 3, "minute": 35}
